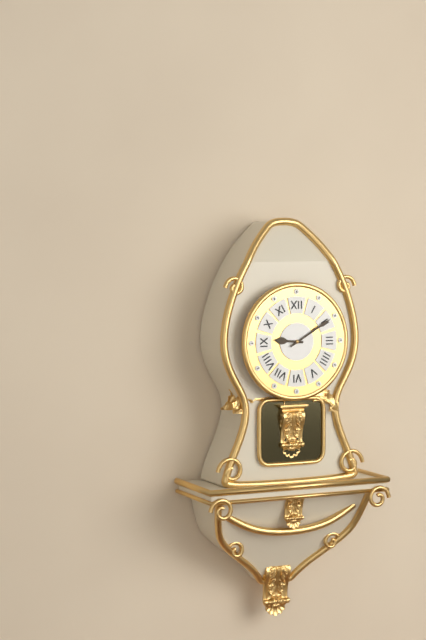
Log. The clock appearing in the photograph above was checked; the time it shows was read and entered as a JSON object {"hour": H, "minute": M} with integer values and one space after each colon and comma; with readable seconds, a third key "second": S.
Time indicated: {"hour": 9, "minute": 10}
